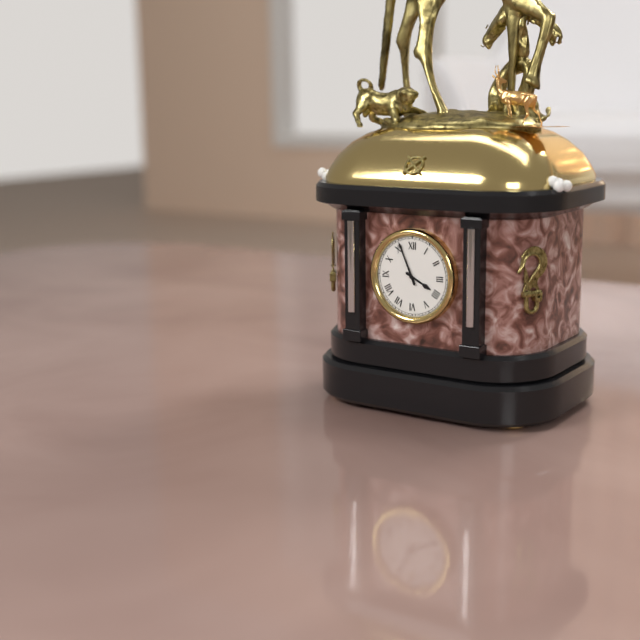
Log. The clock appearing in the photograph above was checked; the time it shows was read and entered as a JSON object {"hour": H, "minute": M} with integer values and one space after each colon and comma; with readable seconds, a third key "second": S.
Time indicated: {"hour": 3, "minute": 56}
